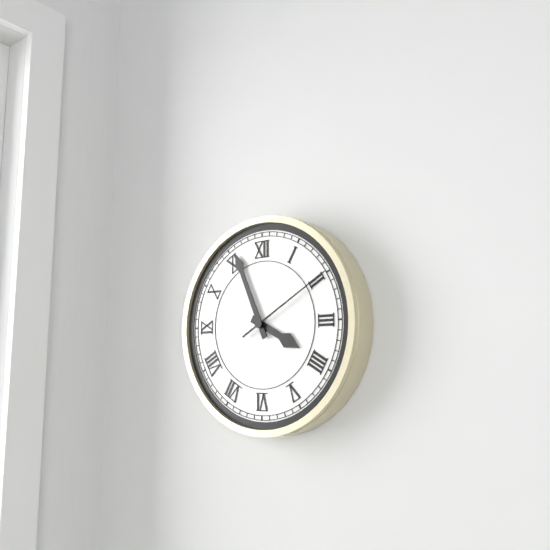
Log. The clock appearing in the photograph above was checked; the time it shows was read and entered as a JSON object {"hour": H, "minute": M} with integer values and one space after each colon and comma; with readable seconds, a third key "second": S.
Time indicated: {"hour": 3, "minute": 56, "second": 10}
